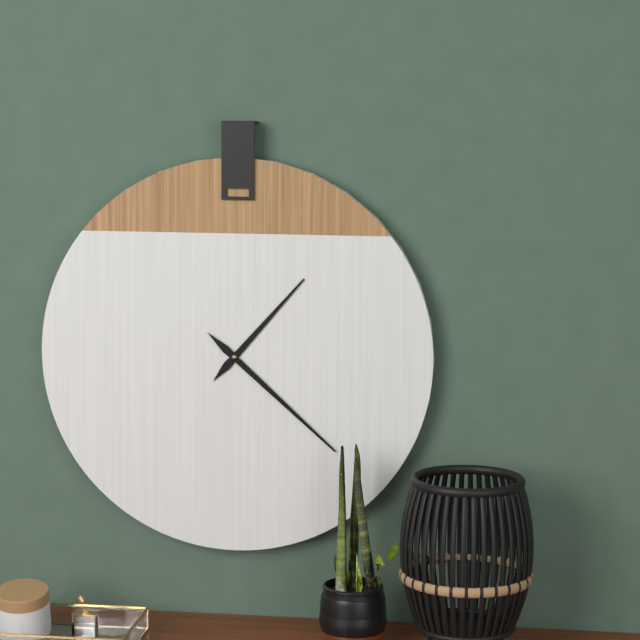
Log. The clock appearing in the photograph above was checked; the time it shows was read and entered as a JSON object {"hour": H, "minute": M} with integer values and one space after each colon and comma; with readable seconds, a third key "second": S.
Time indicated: {"hour": 1, "minute": 22}
